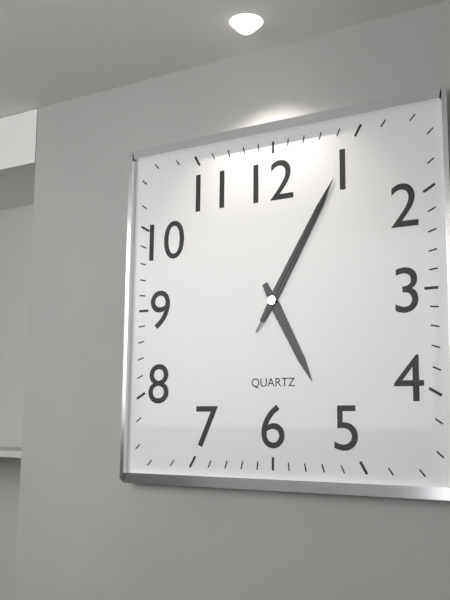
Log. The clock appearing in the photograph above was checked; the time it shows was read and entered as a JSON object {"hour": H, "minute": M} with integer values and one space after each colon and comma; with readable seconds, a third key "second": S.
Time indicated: {"hour": 5, "minute": 5, "second": 5}
